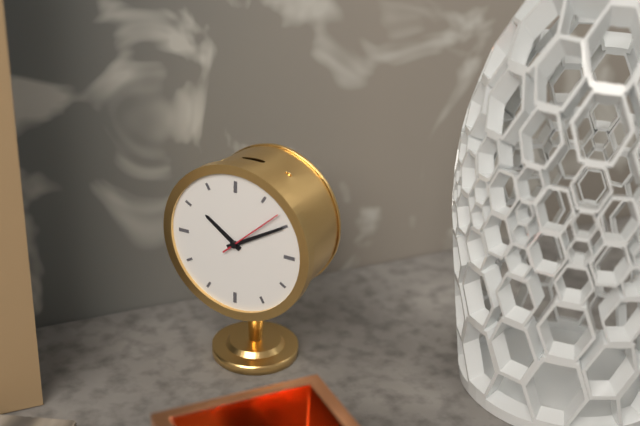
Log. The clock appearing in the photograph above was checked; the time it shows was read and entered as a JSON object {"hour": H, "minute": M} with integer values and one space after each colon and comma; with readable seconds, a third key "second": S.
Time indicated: {"hour": 10, "minute": 10, "second": 8}
